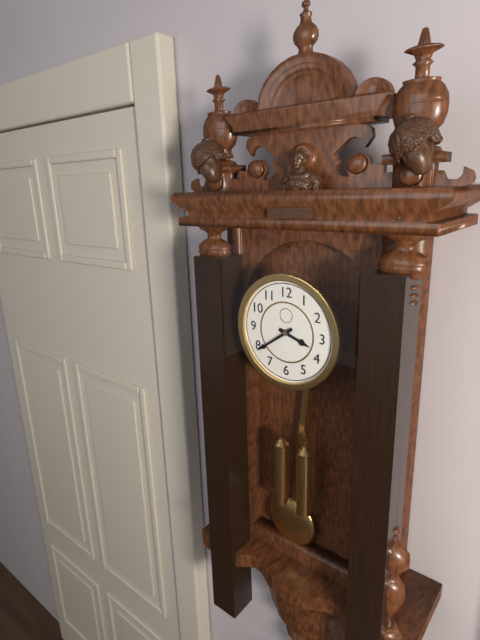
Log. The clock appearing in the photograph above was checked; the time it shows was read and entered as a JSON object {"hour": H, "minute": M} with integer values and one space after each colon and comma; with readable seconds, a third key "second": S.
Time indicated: {"hour": 3, "minute": 39}
